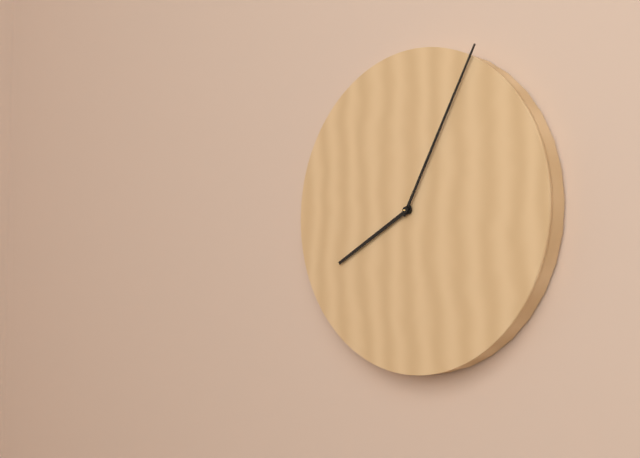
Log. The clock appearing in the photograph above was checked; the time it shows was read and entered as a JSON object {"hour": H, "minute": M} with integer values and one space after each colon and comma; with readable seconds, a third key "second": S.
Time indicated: {"hour": 8, "minute": 5}
